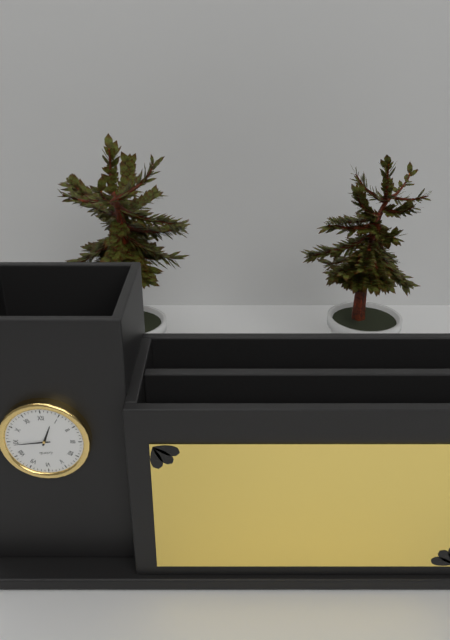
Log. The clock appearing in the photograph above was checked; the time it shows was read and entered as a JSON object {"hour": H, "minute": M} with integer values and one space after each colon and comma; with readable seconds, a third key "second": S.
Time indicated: {"hour": 12, "minute": 44}
